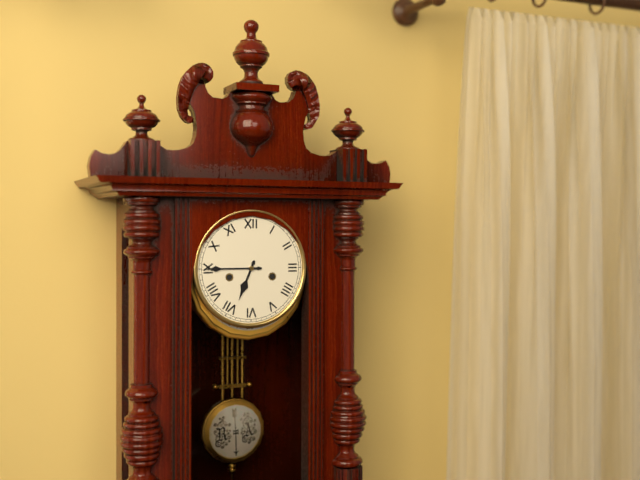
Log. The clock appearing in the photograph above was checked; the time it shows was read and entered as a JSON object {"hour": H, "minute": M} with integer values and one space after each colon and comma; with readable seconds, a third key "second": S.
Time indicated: {"hour": 6, "minute": 45}
